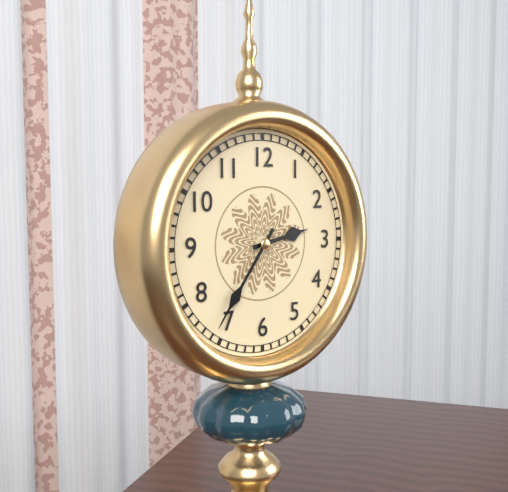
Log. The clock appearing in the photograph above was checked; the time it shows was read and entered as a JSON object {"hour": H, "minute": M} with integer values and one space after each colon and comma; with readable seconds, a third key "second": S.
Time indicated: {"hour": 2, "minute": 36}
